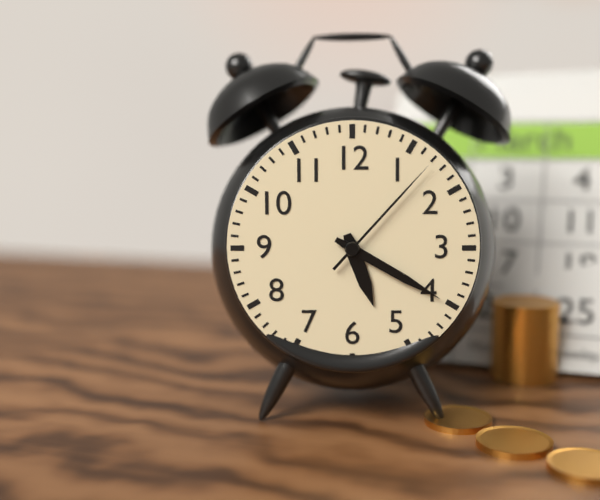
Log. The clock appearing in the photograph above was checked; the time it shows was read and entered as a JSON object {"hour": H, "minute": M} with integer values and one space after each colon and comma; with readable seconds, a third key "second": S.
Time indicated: {"hour": 5, "minute": 20, "second": 7}
